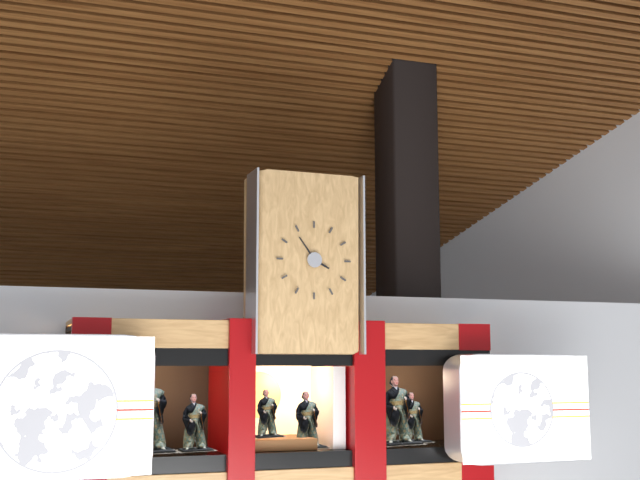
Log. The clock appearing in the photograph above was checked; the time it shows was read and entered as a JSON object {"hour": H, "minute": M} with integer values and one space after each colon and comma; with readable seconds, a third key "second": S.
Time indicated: {"hour": 3, "minute": 54}
